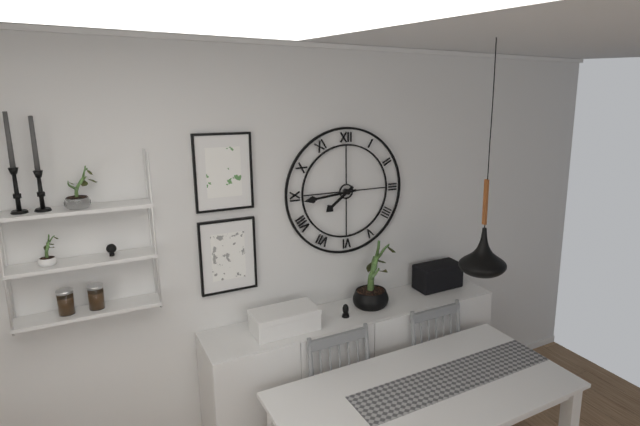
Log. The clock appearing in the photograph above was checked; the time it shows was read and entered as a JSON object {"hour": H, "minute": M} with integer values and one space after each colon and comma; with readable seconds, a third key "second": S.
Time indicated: {"hour": 7, "minute": 44}
